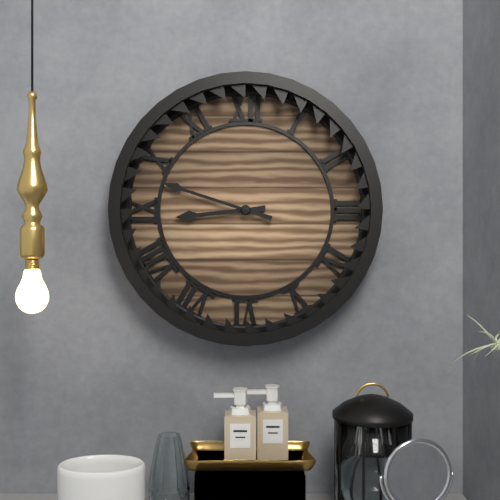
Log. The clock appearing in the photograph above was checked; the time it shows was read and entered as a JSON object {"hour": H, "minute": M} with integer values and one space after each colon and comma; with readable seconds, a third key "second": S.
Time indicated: {"hour": 8, "minute": 48}
